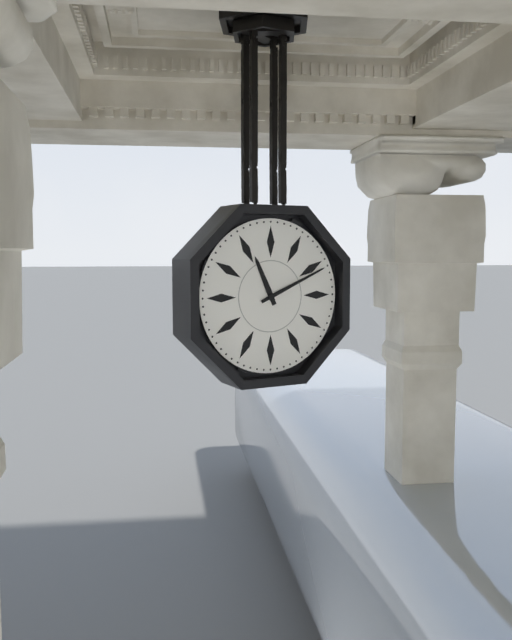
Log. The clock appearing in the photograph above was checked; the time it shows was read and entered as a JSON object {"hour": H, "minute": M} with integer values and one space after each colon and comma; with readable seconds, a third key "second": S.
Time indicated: {"hour": 11, "minute": 11}
